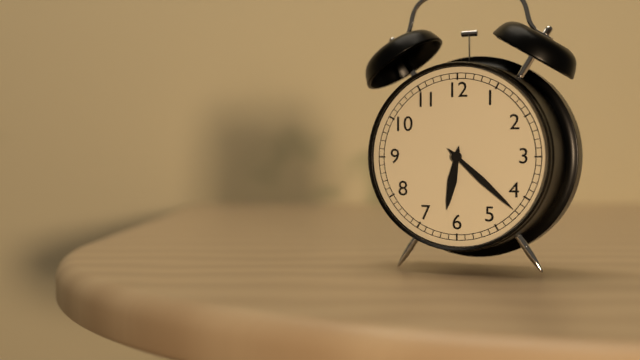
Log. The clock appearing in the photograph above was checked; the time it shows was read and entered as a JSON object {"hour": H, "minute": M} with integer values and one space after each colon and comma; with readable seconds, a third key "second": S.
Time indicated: {"hour": 6, "minute": 22}
